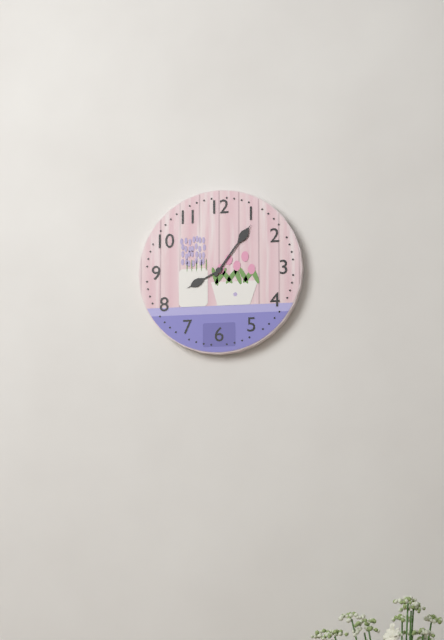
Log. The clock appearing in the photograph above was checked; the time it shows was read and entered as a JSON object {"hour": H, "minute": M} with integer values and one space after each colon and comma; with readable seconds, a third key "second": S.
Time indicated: {"hour": 8, "minute": 6}
